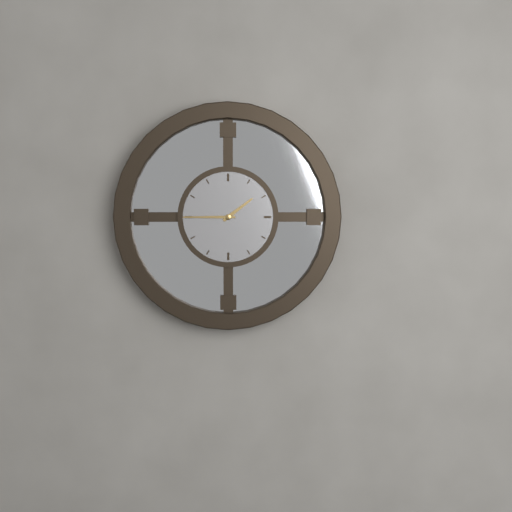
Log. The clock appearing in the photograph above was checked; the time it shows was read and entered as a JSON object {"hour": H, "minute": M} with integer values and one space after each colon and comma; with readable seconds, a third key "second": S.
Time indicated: {"hour": 1, "minute": 45}
